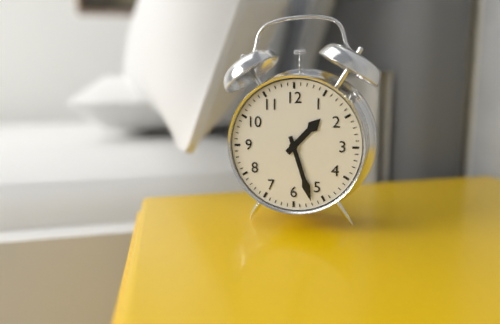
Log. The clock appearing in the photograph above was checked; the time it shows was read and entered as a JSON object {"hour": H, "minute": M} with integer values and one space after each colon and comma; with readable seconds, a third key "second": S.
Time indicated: {"hour": 1, "minute": 27}
